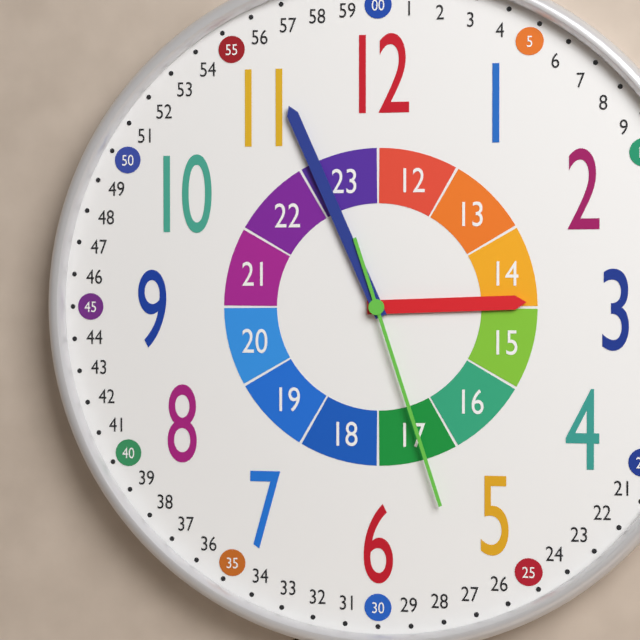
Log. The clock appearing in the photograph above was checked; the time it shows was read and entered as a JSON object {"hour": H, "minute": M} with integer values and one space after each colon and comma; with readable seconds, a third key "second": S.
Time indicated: {"hour": 2, "minute": 56, "second": 27}
